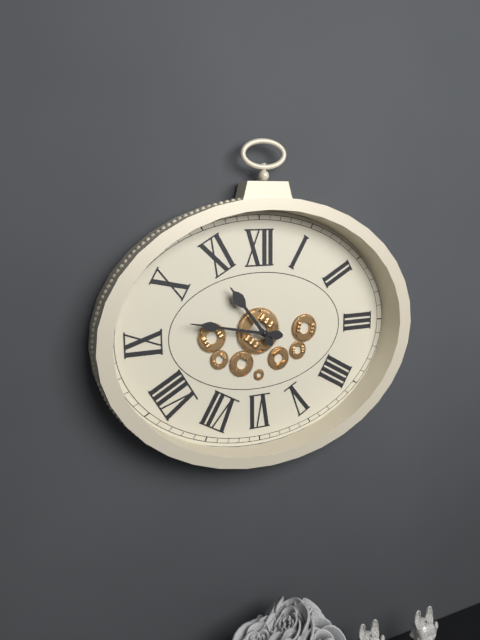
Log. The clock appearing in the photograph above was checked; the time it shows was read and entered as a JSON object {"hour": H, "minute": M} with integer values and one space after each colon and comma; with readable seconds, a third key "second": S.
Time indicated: {"hour": 10, "minute": 47}
